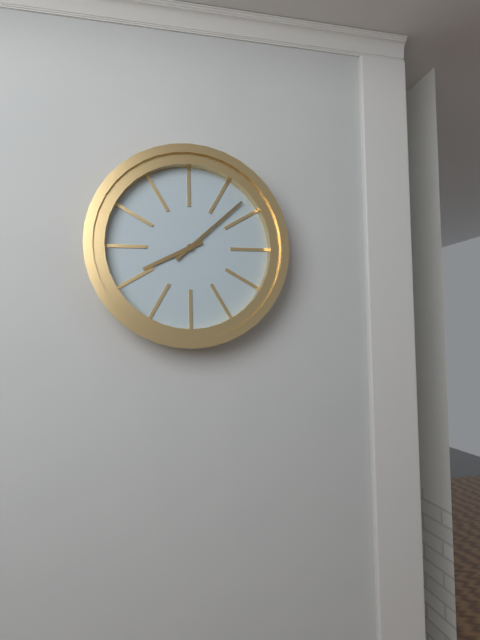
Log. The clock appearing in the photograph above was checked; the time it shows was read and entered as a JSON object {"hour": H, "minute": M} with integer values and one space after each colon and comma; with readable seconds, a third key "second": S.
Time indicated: {"hour": 8, "minute": 8}
